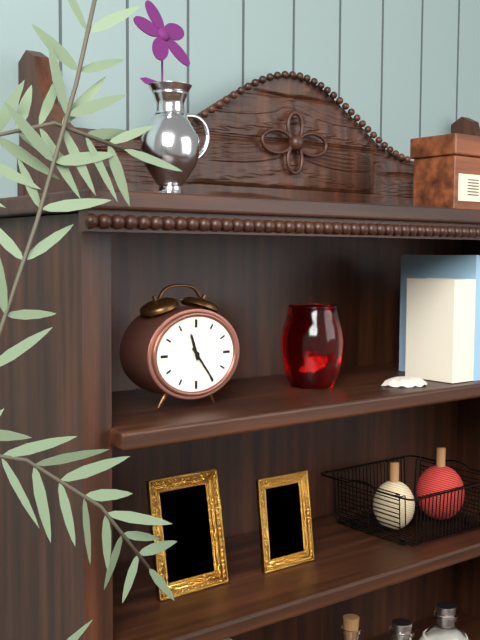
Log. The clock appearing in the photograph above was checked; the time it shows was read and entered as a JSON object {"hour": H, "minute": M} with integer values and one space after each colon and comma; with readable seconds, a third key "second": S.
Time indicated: {"hour": 11, "minute": 24}
